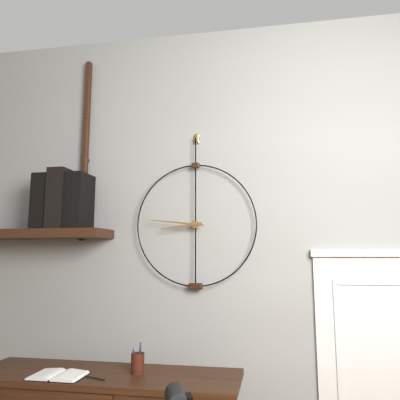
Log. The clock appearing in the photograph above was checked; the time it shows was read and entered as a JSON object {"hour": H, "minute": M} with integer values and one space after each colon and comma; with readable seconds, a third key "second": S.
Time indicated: {"hour": 8, "minute": 46}
